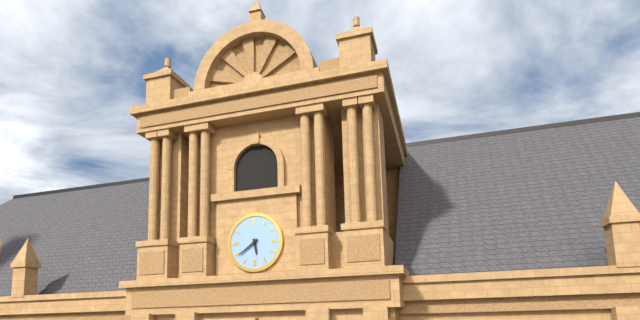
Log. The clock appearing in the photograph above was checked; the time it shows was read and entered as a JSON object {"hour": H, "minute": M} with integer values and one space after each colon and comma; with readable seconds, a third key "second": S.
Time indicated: {"hour": 5, "minute": 39}
